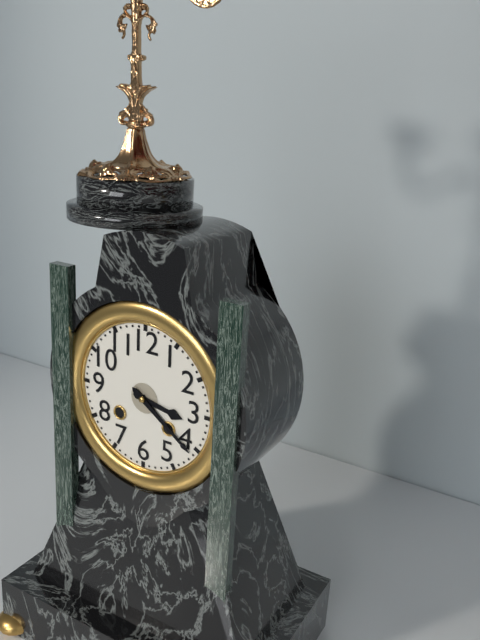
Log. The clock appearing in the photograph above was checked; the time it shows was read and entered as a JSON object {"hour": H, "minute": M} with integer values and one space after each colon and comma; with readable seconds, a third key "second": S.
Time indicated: {"hour": 3, "minute": 21}
